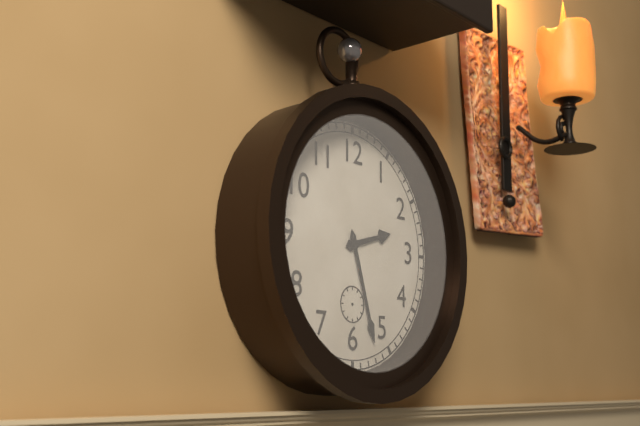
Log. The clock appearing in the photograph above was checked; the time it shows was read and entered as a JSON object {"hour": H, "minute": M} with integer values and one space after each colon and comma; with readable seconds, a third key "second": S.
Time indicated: {"hour": 2, "minute": 27}
